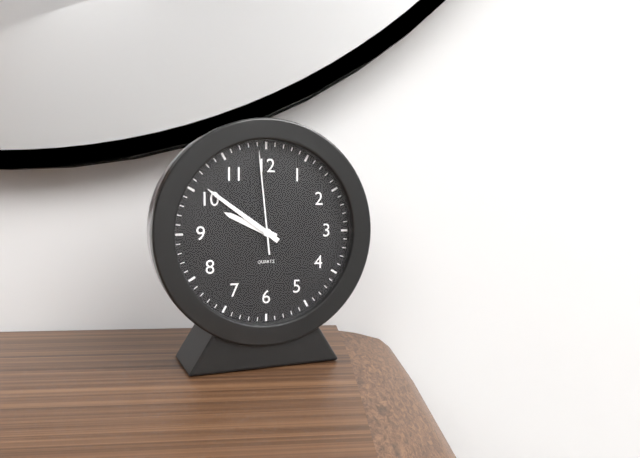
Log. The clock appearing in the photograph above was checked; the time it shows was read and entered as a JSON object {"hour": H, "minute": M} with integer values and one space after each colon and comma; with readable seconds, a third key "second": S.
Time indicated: {"hour": 9, "minute": 51, "second": 59}
